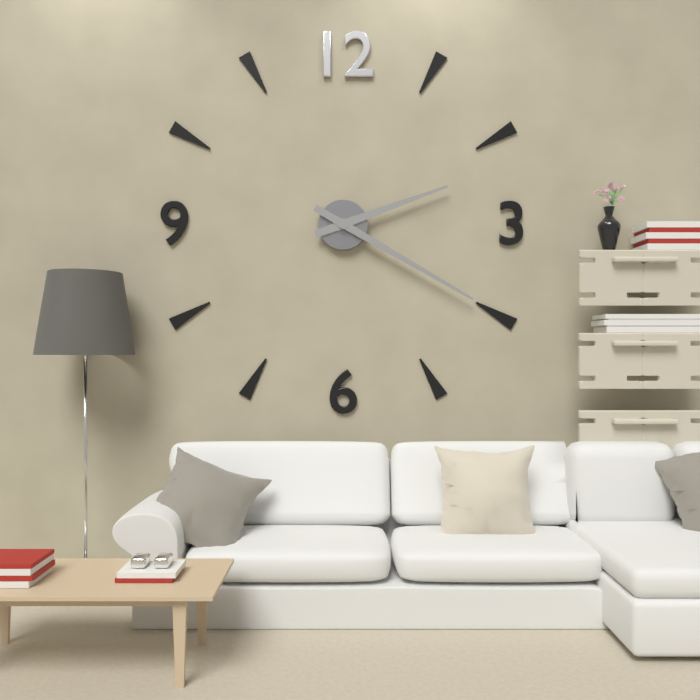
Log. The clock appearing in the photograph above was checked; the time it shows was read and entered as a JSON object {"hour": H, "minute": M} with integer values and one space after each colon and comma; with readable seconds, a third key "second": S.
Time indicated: {"hour": 2, "minute": 20}
